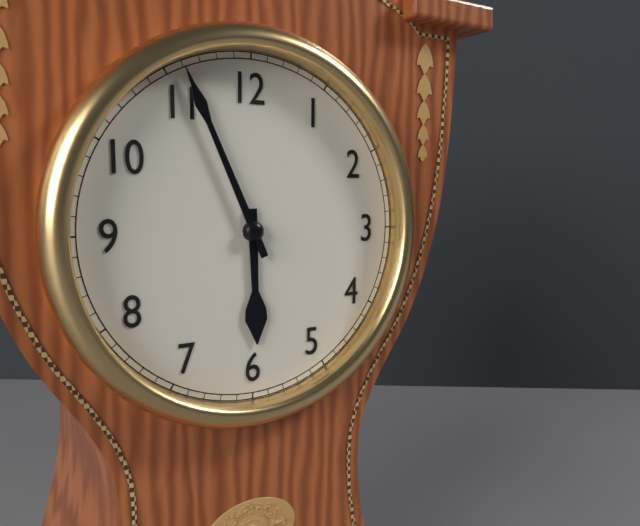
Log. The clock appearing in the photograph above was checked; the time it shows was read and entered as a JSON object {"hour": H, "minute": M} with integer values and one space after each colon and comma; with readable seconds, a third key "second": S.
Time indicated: {"hour": 5, "minute": 56}
